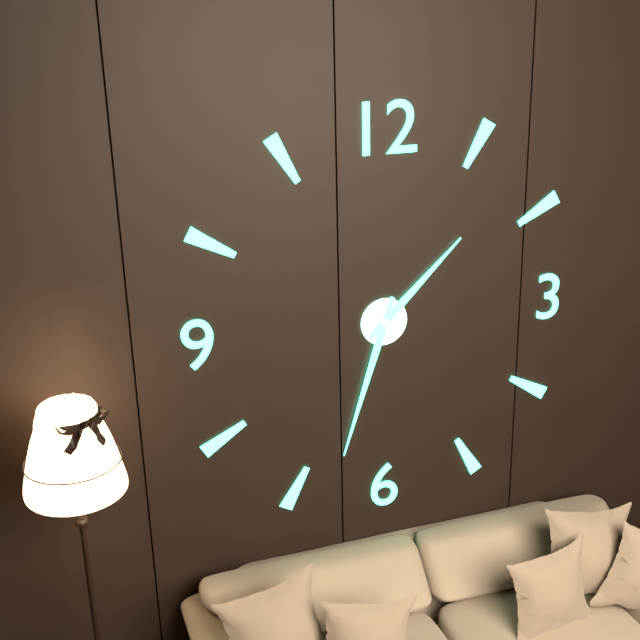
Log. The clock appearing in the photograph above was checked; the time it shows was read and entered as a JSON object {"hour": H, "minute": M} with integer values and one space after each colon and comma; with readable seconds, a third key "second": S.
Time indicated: {"hour": 1, "minute": 33}
